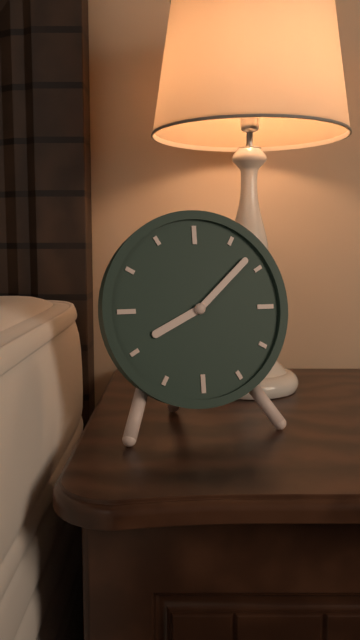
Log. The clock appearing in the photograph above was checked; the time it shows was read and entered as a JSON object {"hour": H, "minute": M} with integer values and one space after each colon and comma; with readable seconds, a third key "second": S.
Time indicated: {"hour": 8, "minute": 8}
